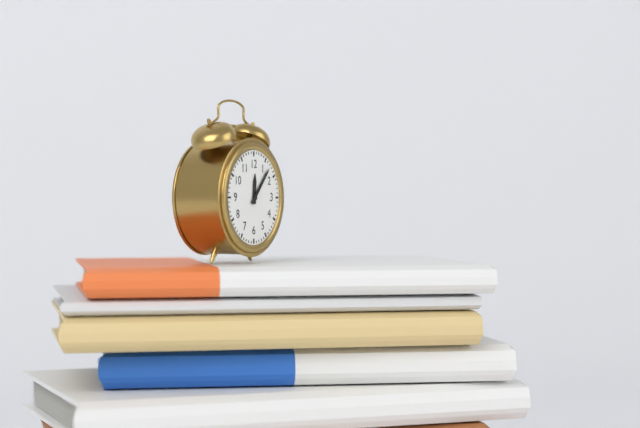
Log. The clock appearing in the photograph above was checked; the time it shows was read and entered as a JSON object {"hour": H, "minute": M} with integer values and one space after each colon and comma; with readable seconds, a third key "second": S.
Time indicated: {"hour": 12, "minute": 7}
